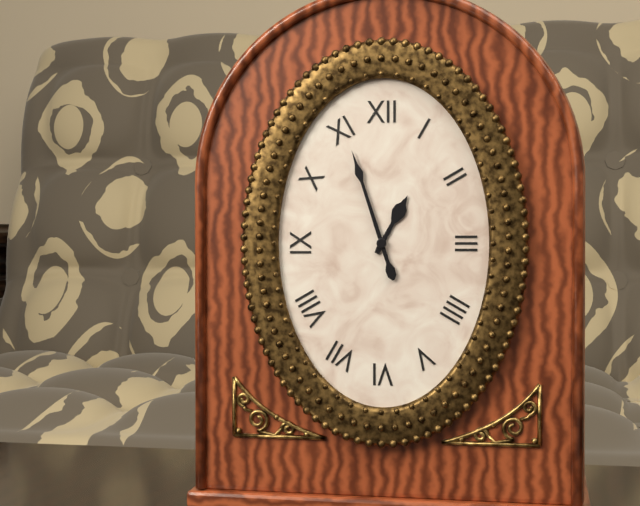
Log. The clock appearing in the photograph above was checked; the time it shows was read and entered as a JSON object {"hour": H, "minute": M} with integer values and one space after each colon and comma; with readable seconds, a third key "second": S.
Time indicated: {"hour": 12, "minute": 57}
